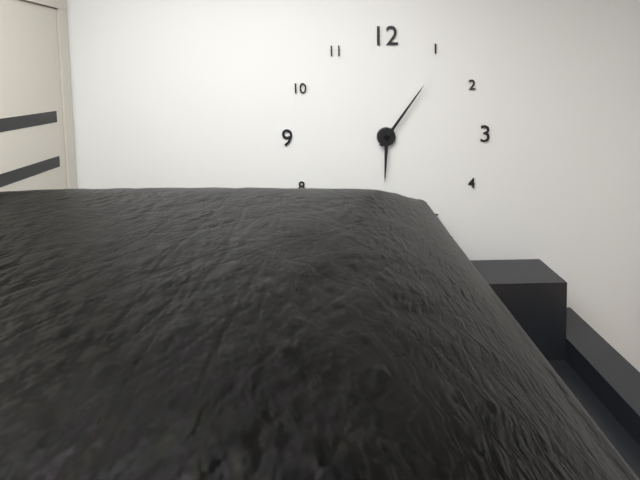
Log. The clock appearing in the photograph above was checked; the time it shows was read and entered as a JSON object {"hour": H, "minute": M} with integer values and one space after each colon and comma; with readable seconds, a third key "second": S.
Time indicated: {"hour": 6, "minute": 6}
